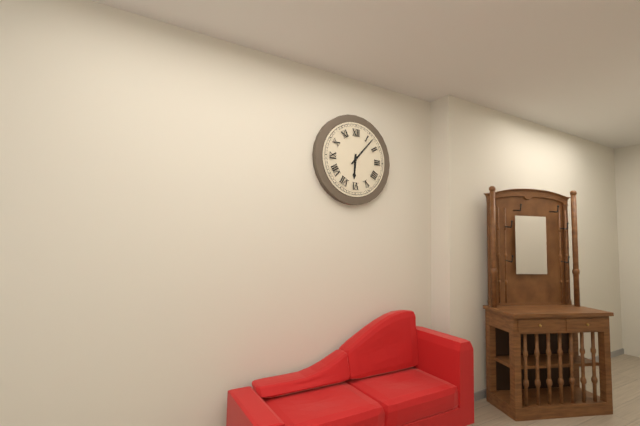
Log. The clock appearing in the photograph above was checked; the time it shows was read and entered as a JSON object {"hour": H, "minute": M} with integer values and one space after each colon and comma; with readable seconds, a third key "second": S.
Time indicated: {"hour": 6, "minute": 7}
